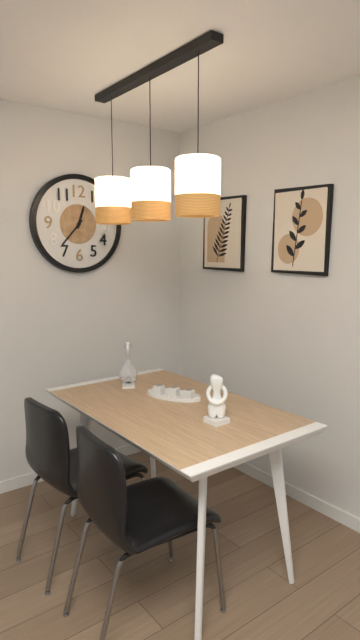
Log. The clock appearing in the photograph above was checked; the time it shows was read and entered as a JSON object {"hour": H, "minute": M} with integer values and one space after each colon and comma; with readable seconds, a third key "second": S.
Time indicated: {"hour": 12, "minute": 37}
